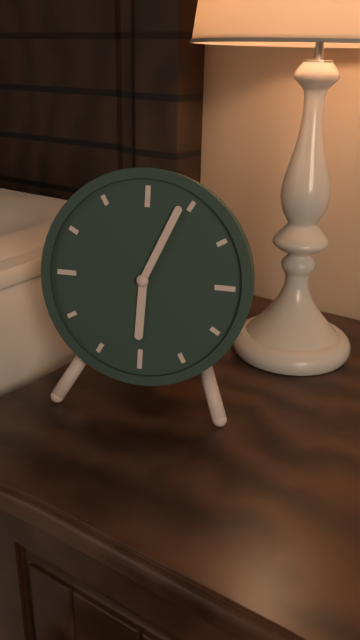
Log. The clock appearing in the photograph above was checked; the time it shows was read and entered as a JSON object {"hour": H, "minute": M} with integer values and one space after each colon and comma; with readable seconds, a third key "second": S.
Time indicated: {"hour": 6, "minute": 4}
